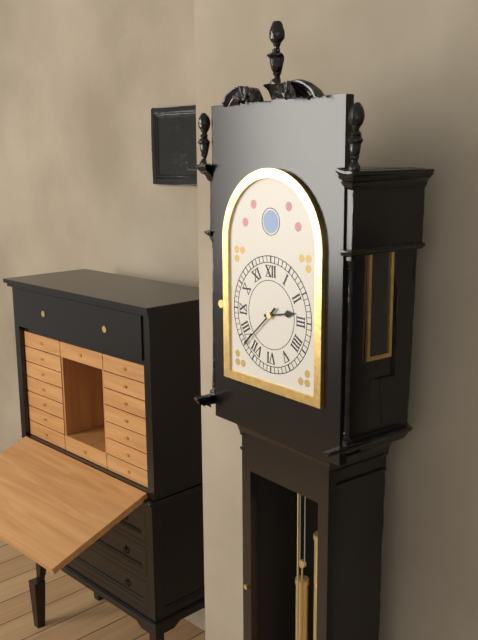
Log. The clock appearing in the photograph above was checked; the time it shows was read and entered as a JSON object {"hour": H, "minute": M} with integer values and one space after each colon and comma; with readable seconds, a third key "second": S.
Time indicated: {"hour": 2, "minute": 38}
